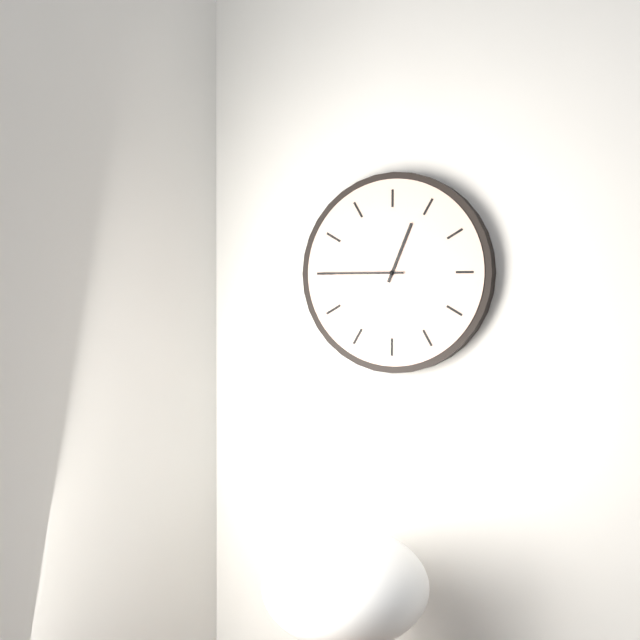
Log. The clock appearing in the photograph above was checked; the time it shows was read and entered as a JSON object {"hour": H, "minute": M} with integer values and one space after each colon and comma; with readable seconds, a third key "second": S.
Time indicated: {"hour": 12, "minute": 45}
